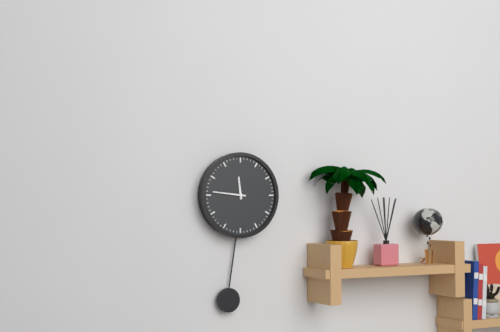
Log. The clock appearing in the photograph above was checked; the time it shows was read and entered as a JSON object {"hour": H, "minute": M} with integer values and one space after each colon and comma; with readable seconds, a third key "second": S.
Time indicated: {"hour": 11, "minute": 46}
